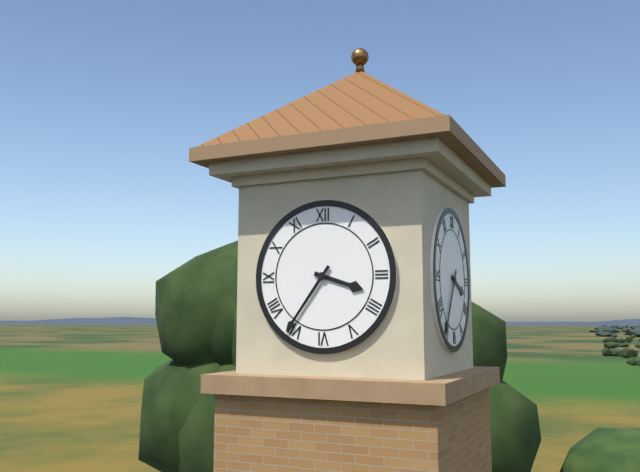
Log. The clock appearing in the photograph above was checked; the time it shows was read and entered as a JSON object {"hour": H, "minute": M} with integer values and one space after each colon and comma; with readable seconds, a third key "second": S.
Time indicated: {"hour": 3, "minute": 36}
